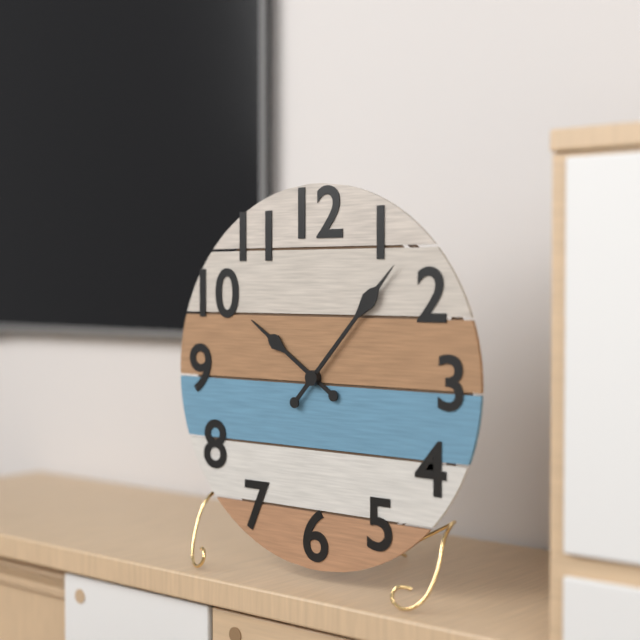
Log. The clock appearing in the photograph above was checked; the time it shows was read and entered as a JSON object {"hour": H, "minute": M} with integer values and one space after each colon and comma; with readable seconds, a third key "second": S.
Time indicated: {"hour": 10, "minute": 7}
